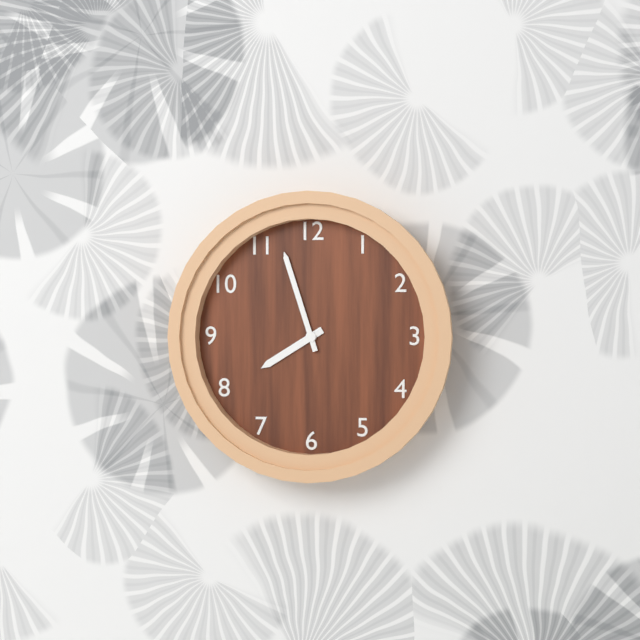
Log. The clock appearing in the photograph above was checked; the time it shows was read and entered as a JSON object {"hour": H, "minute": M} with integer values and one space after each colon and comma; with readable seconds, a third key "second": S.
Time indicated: {"hour": 7, "minute": 57}
